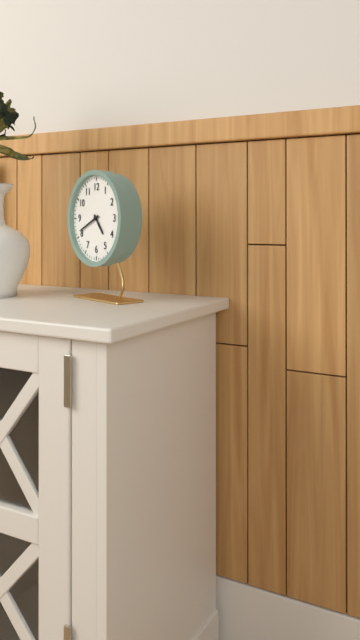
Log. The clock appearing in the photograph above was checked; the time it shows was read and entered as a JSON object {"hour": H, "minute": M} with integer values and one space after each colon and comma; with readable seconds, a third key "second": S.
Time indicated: {"hour": 4, "minute": 41}
